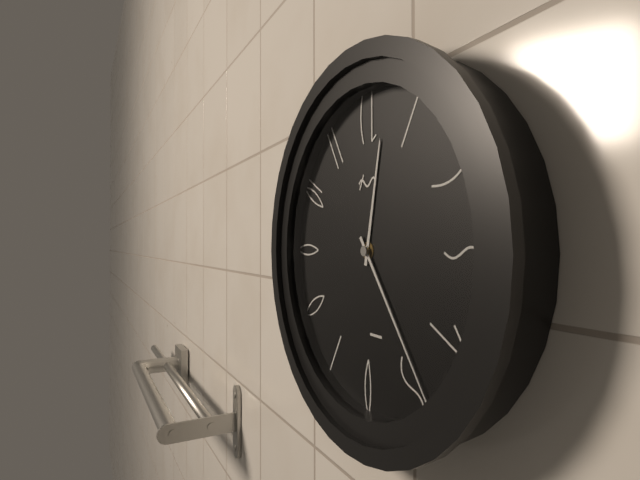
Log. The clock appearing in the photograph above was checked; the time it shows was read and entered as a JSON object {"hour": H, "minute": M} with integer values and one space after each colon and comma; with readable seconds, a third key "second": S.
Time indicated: {"hour": 12, "minute": 24}
